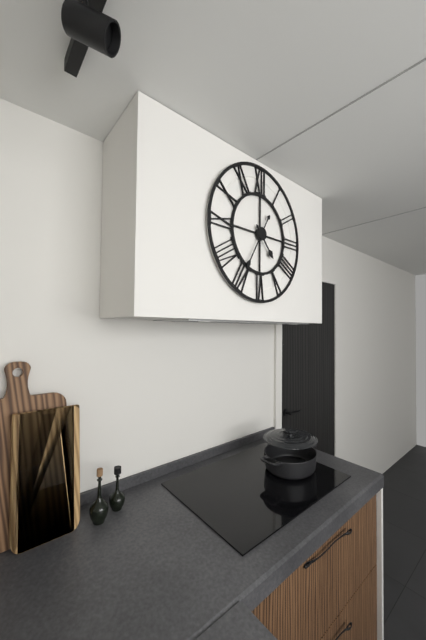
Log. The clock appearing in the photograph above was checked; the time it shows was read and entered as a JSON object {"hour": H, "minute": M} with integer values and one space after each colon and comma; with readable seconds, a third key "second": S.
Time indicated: {"hour": 4, "minute": 35}
